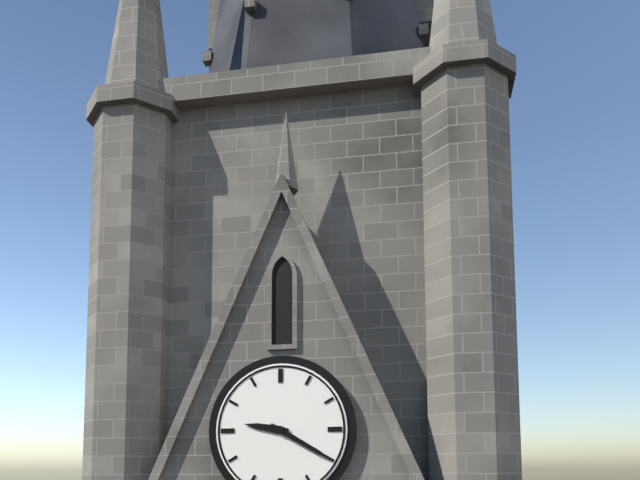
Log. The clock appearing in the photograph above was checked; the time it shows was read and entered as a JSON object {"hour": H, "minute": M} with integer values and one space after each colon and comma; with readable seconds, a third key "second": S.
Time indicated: {"hour": 9, "minute": 20}
